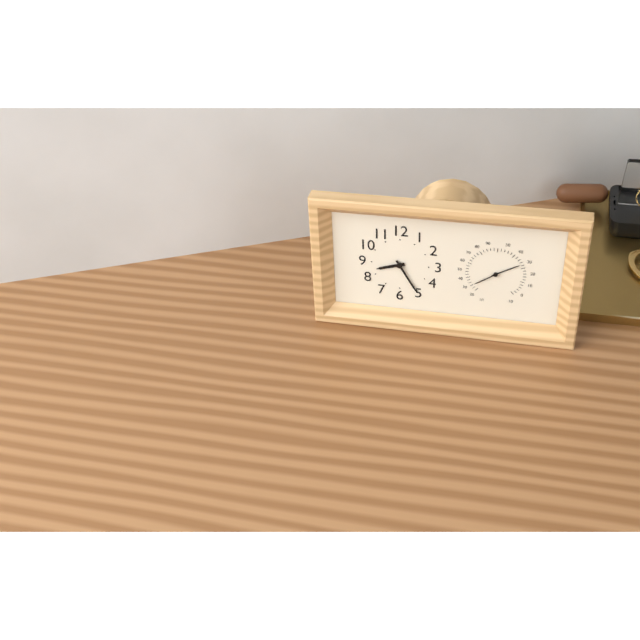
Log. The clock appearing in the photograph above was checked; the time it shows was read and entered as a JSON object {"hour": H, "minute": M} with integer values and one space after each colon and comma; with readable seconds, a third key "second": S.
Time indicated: {"hour": 8, "minute": 25}
